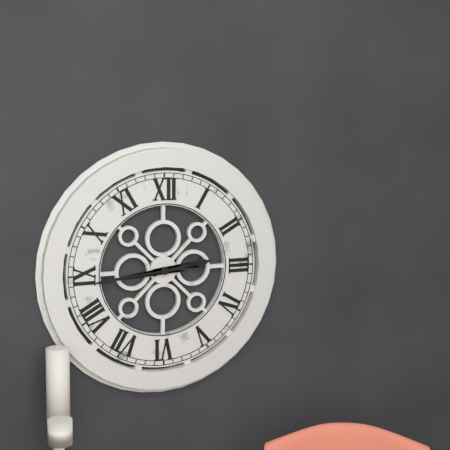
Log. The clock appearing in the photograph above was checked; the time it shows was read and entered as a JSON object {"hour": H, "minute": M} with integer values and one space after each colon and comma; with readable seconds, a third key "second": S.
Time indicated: {"hour": 2, "minute": 44}
